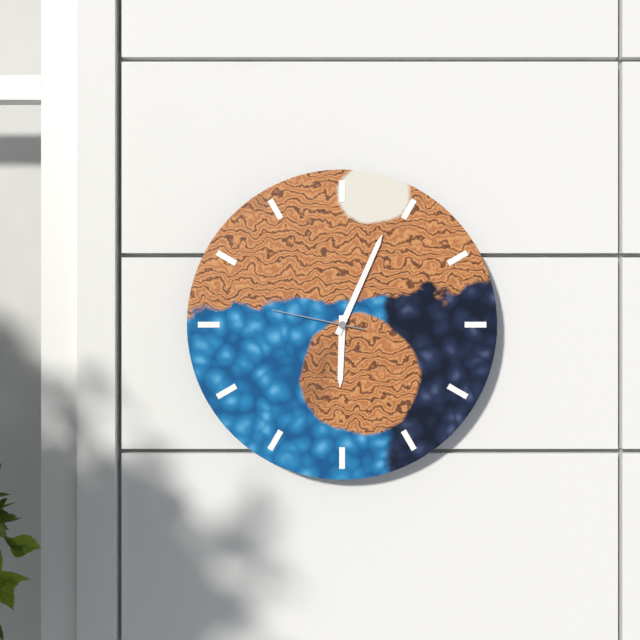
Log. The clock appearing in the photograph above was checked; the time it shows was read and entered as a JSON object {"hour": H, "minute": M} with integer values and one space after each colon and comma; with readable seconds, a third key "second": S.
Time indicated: {"hour": 6, "minute": 4, "second": 47}
